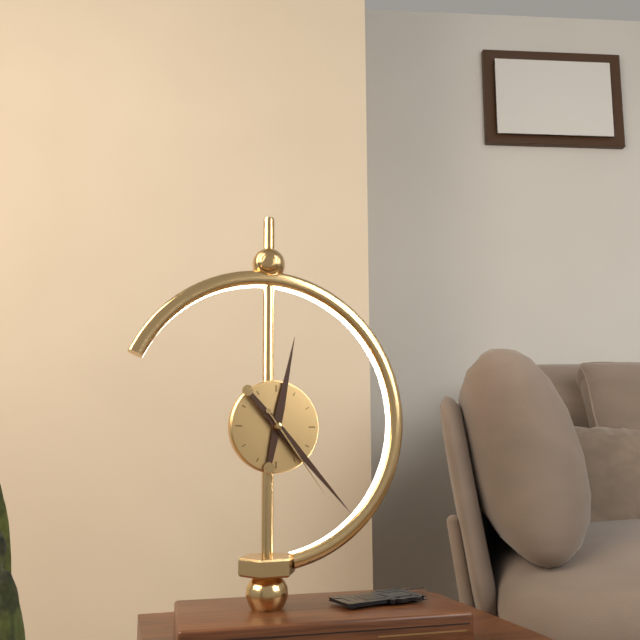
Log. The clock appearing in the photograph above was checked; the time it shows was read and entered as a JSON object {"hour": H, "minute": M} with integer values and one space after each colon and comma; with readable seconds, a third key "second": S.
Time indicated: {"hour": 12, "minute": 23, "second": 24}
